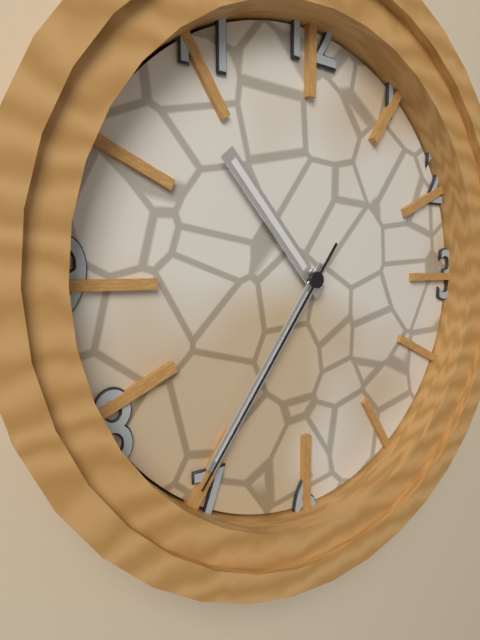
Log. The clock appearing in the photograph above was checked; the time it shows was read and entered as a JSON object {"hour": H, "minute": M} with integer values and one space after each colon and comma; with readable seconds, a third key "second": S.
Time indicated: {"hour": 10, "minute": 36, "second": 36}
